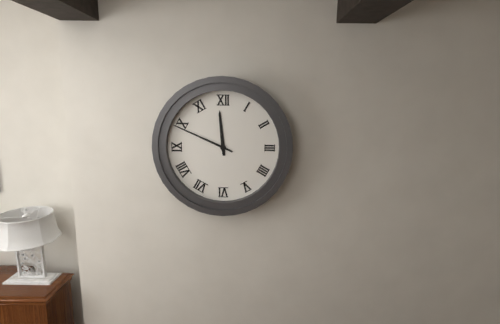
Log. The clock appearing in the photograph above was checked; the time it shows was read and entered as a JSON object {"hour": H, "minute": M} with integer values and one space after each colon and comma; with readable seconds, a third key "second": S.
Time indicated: {"hour": 11, "minute": 49}
